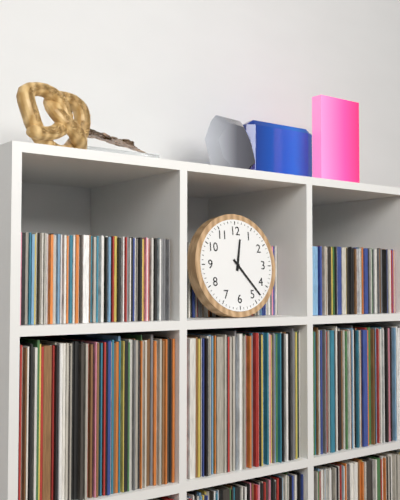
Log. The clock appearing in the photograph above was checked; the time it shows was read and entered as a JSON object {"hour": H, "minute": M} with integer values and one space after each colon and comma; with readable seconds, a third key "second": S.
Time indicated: {"hour": 12, "minute": 23}
